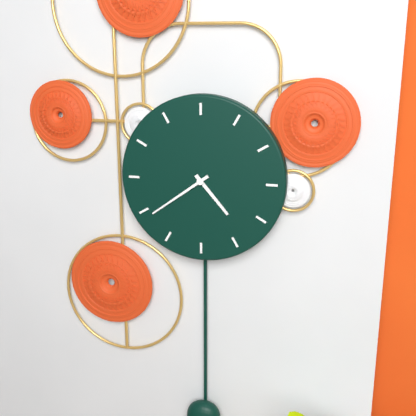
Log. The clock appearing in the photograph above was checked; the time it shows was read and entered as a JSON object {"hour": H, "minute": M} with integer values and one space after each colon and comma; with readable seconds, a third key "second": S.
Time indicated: {"hour": 4, "minute": 39}
